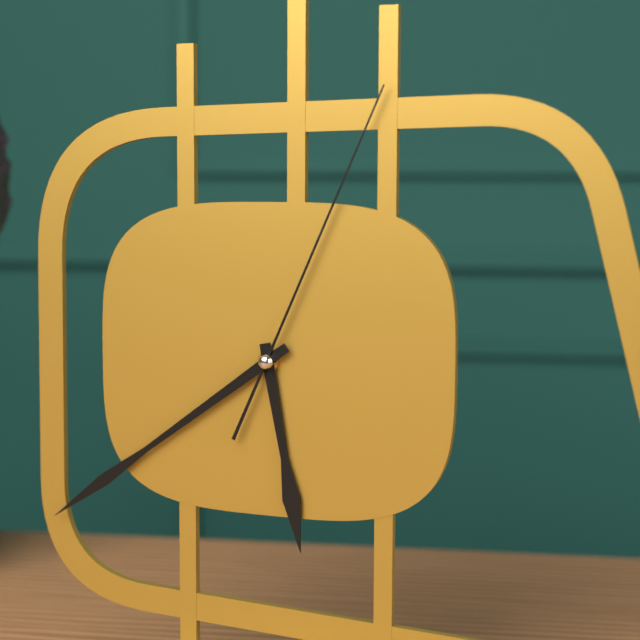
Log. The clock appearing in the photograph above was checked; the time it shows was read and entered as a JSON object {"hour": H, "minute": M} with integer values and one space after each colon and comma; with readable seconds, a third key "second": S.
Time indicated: {"hour": 5, "minute": 39, "second": 4}
